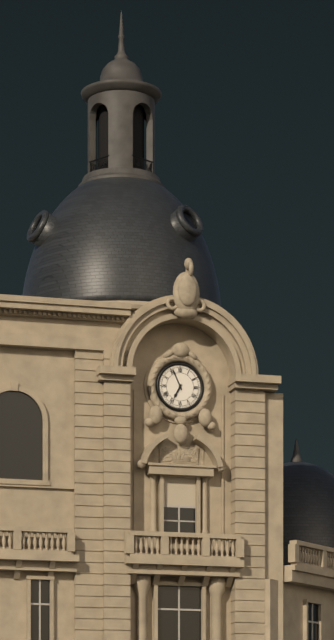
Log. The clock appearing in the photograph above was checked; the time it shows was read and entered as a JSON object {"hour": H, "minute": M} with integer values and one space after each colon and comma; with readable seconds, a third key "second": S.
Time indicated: {"hour": 6, "minute": 56}
